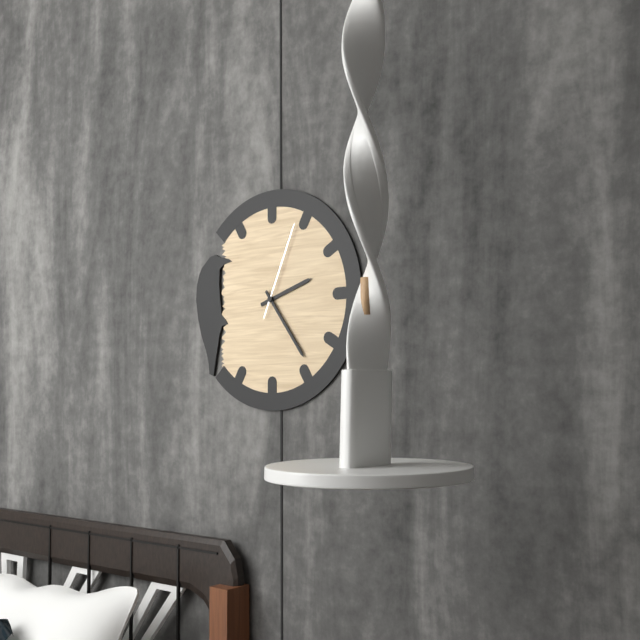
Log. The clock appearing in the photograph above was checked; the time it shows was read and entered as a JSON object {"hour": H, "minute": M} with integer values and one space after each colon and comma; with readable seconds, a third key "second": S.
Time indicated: {"hour": 2, "minute": 24, "second": 4}
